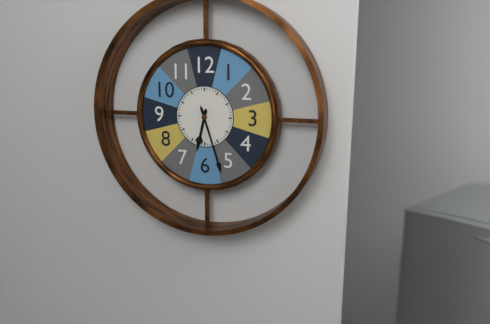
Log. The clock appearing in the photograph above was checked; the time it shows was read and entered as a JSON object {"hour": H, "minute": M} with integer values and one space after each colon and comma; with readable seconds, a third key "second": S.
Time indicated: {"hour": 6, "minute": 27}
